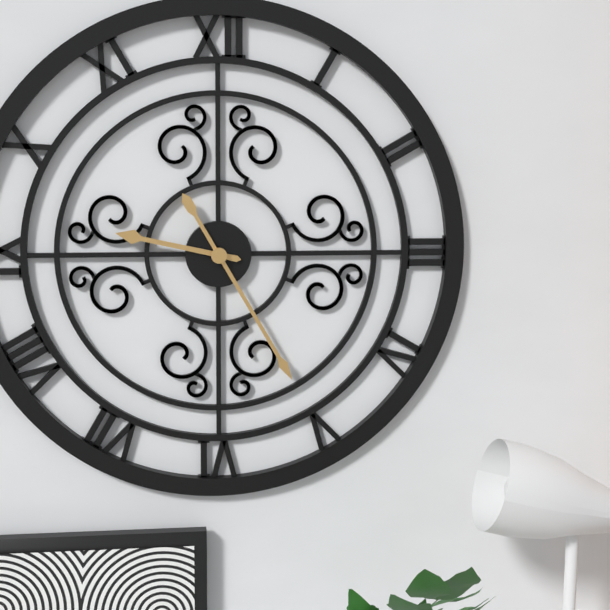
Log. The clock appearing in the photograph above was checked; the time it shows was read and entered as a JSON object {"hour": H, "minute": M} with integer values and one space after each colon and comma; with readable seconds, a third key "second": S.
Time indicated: {"hour": 9, "minute": 25}
